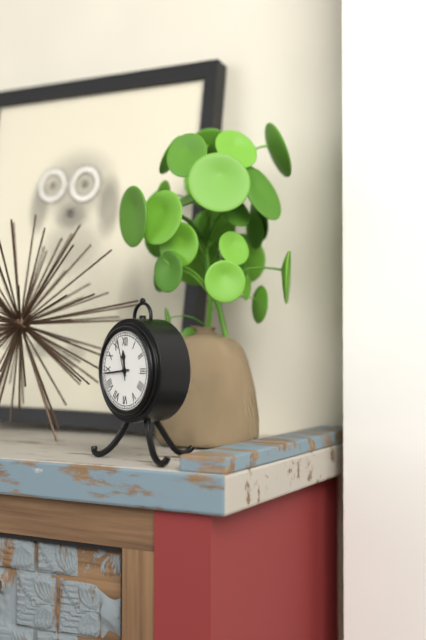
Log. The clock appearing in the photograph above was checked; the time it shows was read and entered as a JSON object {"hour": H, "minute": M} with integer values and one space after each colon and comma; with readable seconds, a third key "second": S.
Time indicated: {"hour": 11, "minute": 44, "second": 57}
